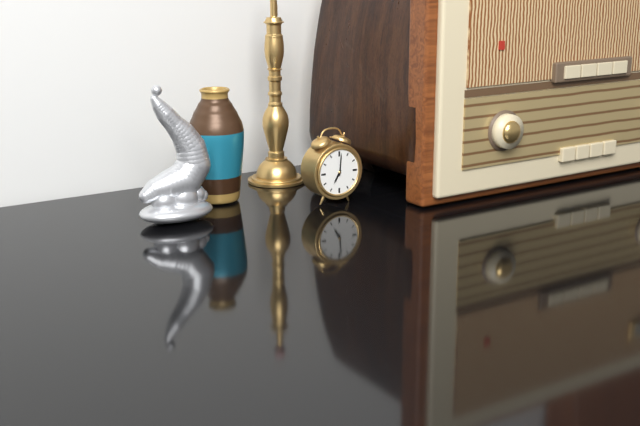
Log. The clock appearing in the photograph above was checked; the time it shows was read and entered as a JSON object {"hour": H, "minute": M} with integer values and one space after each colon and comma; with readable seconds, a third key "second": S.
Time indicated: {"hour": 7, "minute": 1}
